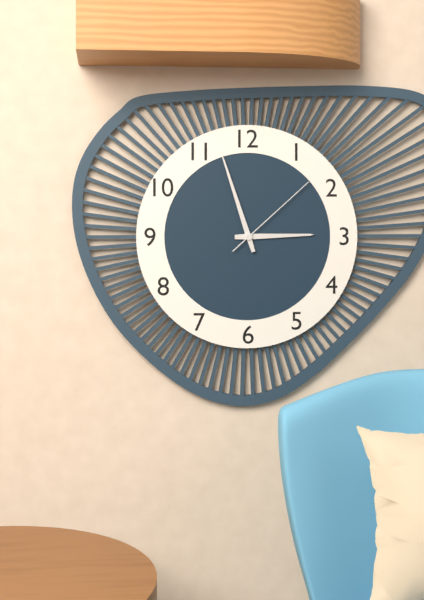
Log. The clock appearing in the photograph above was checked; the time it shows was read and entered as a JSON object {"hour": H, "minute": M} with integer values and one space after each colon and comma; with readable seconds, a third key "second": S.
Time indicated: {"hour": 2, "minute": 57, "second": 8}
